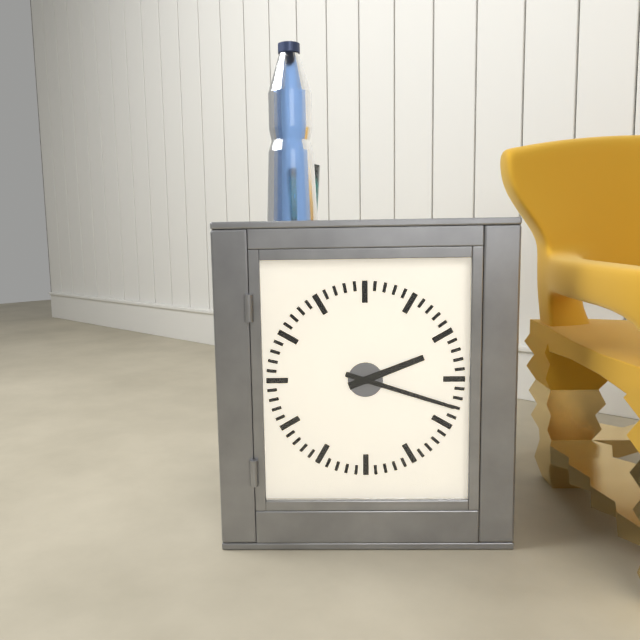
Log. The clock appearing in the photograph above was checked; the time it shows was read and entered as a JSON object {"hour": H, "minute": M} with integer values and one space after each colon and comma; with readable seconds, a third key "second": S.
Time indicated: {"hour": 2, "minute": 18}
